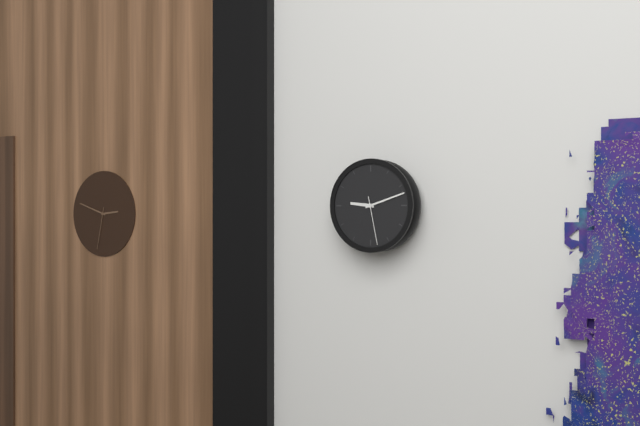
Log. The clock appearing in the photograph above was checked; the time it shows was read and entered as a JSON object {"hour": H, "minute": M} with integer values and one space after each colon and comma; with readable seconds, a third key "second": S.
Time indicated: {"hour": 9, "minute": 12}
